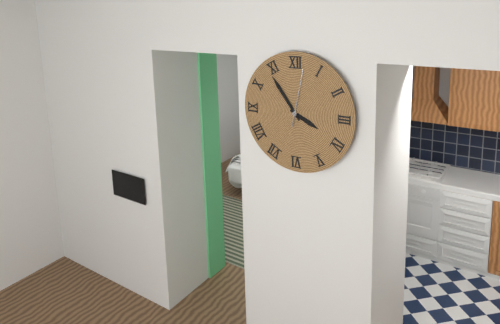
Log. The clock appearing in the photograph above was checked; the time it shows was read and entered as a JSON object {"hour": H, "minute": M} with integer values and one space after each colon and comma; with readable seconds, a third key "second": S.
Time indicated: {"hour": 3, "minute": 54, "second": 2}
